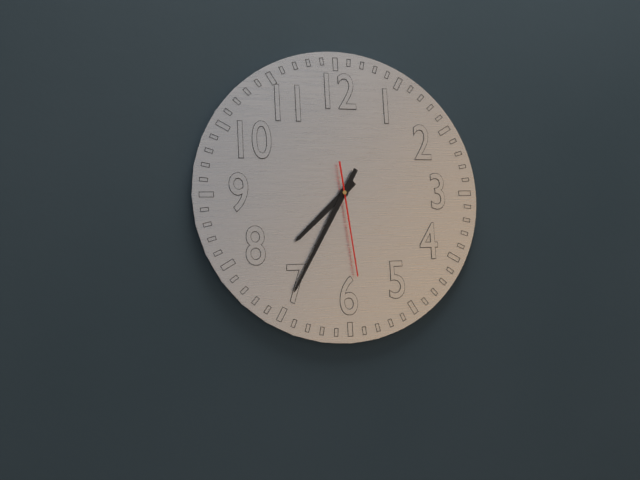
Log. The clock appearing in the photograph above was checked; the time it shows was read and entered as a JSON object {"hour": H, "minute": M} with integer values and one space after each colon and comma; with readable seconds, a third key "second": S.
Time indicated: {"hour": 7, "minute": 35, "second": 29}
